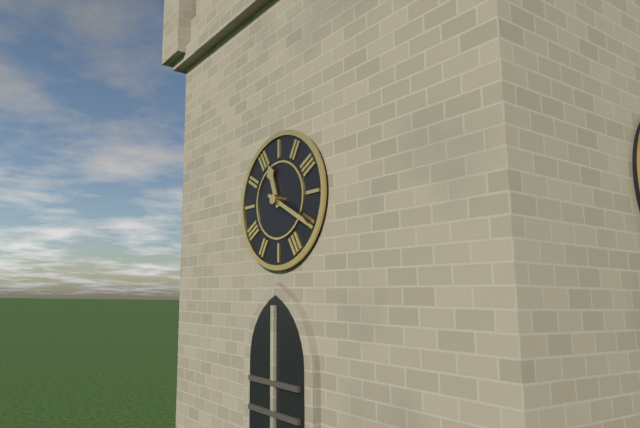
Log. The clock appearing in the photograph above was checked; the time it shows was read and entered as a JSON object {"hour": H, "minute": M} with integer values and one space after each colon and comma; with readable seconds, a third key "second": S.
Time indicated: {"hour": 11, "minute": 20}
